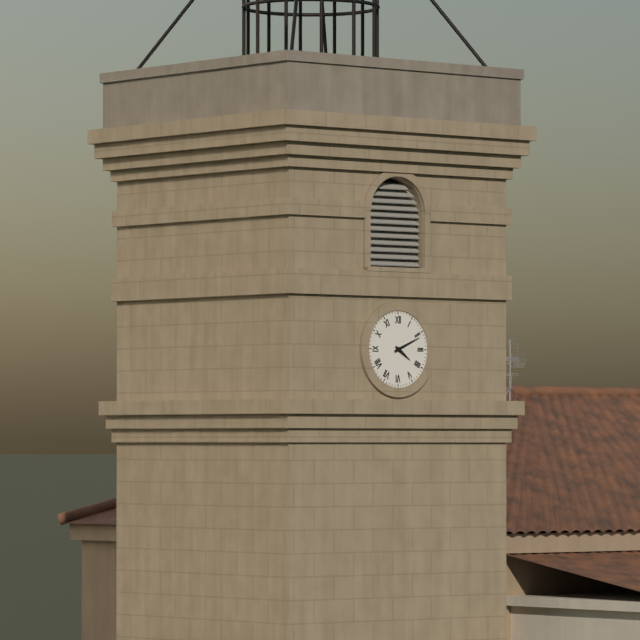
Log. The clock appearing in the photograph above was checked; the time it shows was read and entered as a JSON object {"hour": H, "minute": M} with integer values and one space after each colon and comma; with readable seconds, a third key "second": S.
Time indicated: {"hour": 4, "minute": 11}
